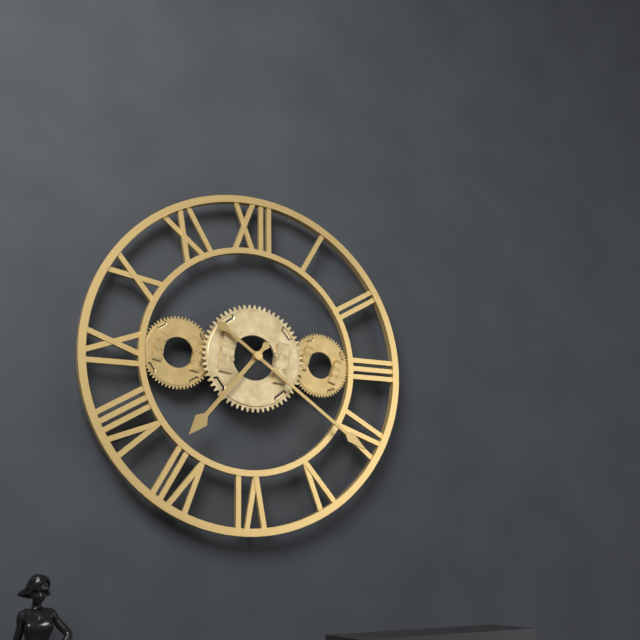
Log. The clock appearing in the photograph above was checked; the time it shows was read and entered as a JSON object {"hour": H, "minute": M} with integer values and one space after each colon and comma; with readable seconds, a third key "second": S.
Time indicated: {"hour": 7, "minute": 21}
